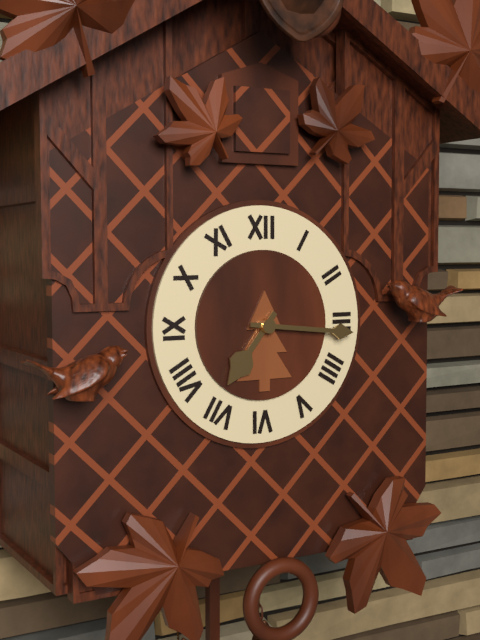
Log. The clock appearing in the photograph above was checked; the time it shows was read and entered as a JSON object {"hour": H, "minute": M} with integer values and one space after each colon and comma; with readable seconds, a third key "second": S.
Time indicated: {"hour": 7, "minute": 16}
